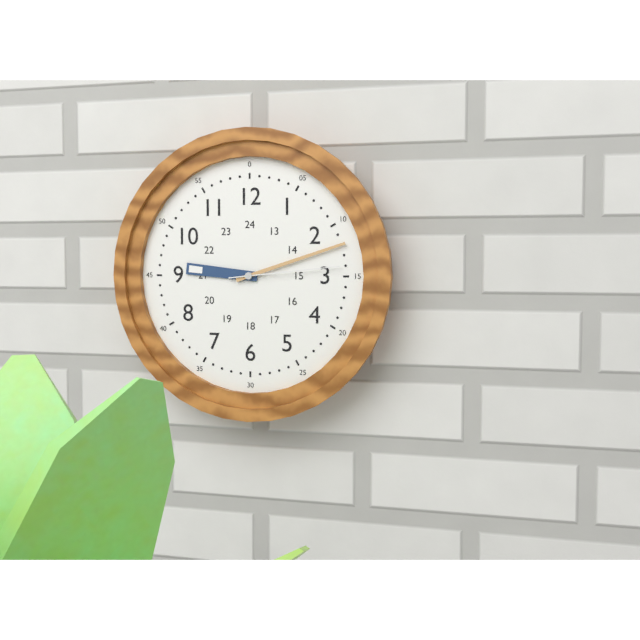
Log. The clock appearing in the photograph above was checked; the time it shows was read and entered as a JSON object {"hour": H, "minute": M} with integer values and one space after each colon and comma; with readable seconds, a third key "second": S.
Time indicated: {"hour": 9, "minute": 12, "second": 14}
